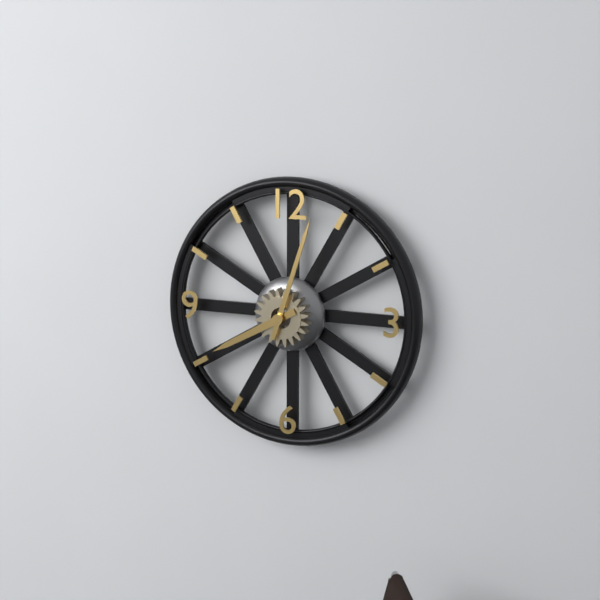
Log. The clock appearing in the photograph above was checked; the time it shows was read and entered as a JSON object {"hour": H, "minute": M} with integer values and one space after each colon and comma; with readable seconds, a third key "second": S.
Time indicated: {"hour": 8, "minute": 3}
